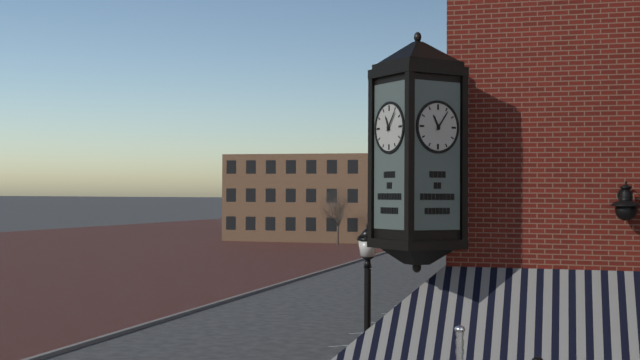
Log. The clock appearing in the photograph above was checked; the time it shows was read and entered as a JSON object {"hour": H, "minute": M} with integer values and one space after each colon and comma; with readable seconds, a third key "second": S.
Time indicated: {"hour": 11, "minute": 6}
